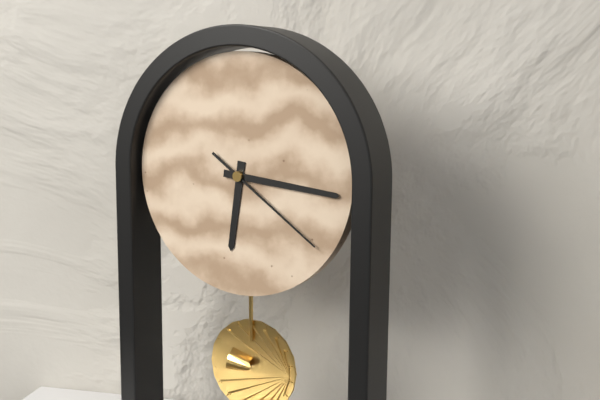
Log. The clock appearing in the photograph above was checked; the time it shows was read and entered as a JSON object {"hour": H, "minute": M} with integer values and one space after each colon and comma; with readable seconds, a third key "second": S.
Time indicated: {"hour": 6, "minute": 16, "second": 21}
